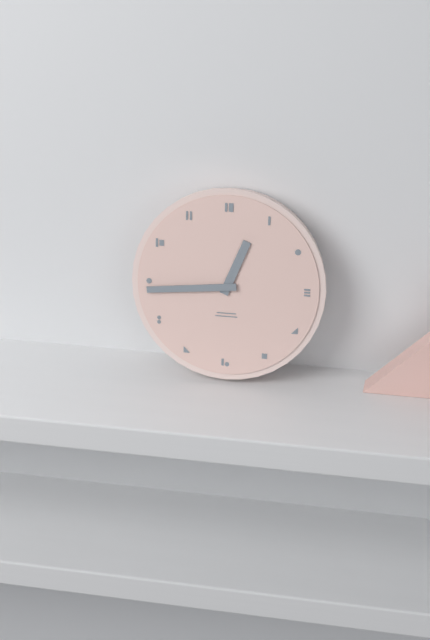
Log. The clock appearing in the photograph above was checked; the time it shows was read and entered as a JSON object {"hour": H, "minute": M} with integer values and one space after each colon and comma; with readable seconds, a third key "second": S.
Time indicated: {"hour": 12, "minute": 44}
